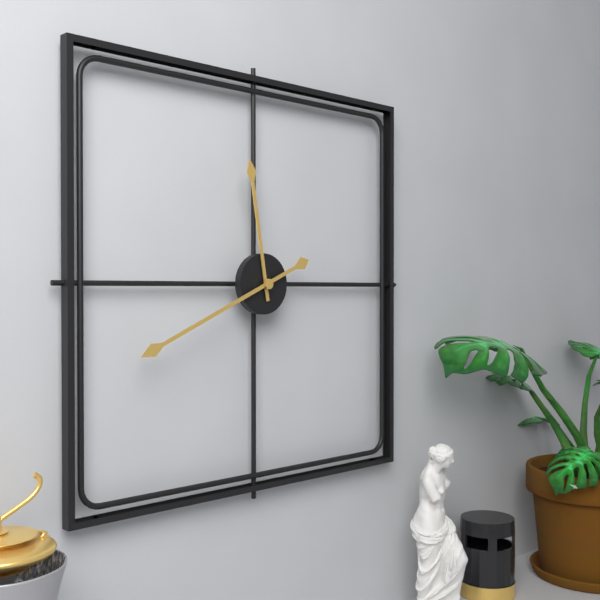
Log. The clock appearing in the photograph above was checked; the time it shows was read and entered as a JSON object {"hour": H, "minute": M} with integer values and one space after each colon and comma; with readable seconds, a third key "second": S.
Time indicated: {"hour": 11, "minute": 41}
